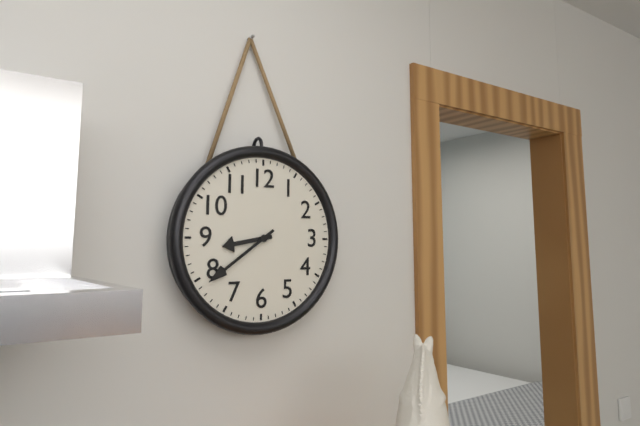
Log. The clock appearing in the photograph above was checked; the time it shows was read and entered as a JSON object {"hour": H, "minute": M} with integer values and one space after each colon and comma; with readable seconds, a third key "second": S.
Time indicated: {"hour": 8, "minute": 39}
